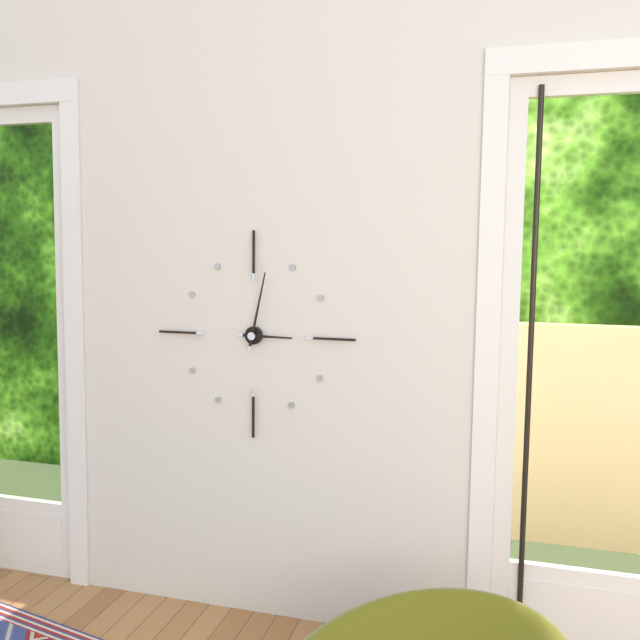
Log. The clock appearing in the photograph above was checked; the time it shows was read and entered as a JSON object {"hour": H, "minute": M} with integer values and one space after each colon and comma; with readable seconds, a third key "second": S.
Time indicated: {"hour": 3, "minute": 2}
